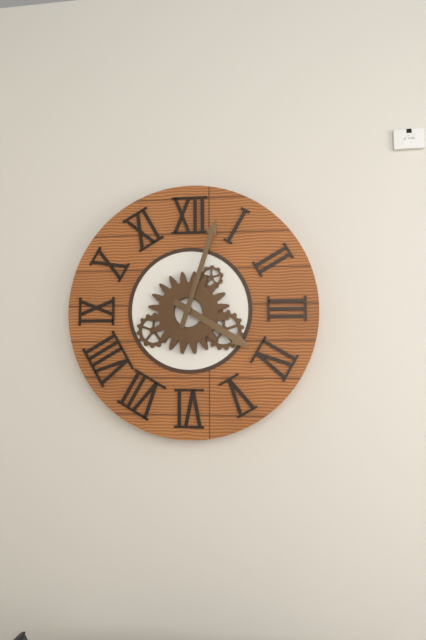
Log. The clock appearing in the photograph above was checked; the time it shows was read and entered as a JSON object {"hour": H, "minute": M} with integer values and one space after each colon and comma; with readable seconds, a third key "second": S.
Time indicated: {"hour": 4, "minute": 3}
